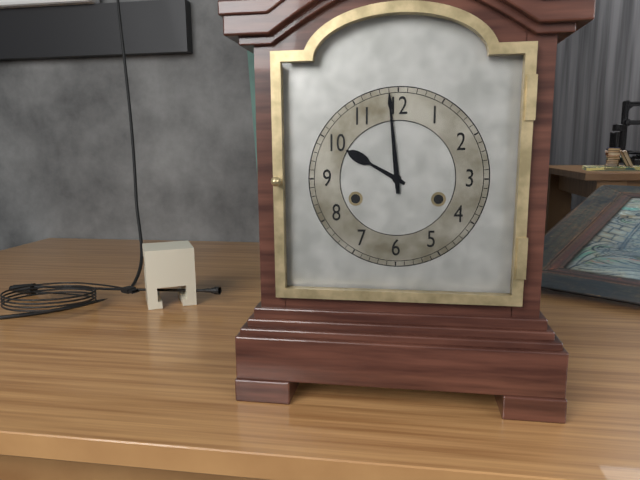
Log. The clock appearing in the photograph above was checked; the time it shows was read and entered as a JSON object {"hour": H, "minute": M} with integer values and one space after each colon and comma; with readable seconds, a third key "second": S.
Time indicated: {"hour": 9, "minute": 59}
